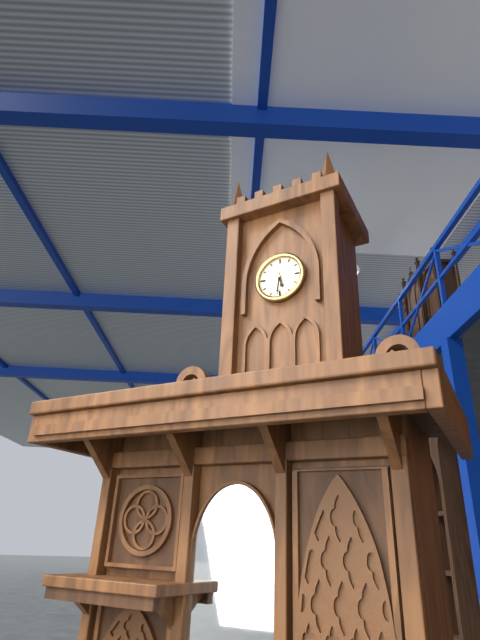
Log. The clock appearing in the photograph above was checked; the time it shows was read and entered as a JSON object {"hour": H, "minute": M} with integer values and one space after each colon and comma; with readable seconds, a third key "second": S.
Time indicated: {"hour": 5, "minute": 31}
